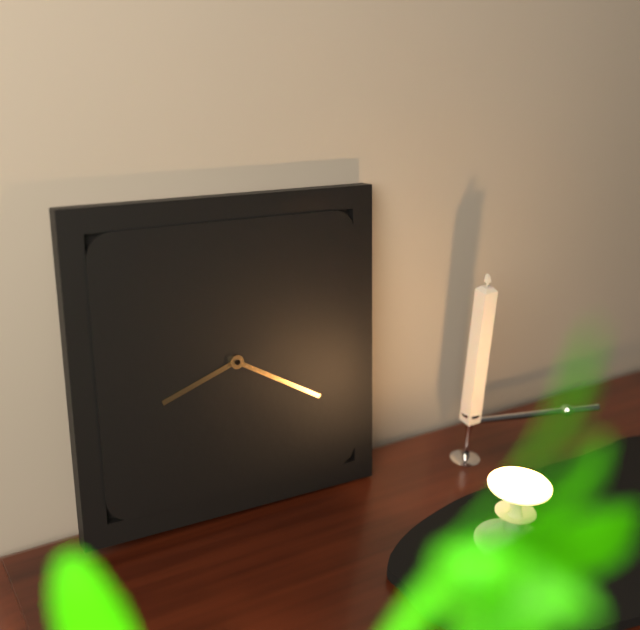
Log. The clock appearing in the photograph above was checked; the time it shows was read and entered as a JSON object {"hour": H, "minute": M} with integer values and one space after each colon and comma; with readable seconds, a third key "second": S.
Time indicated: {"hour": 8, "minute": 20}
